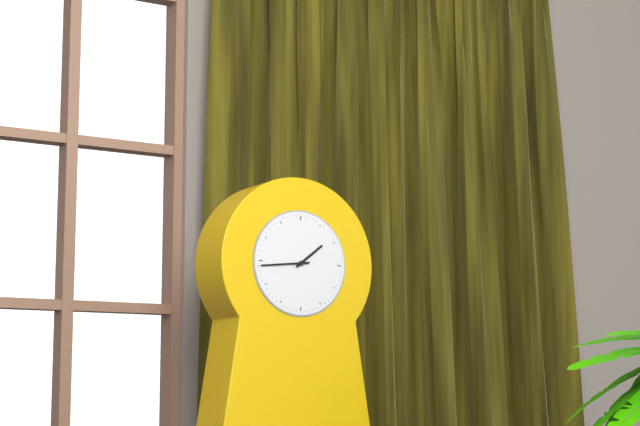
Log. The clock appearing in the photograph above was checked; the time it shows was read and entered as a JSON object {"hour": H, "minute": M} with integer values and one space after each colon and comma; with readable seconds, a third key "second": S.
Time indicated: {"hour": 1, "minute": 44}
